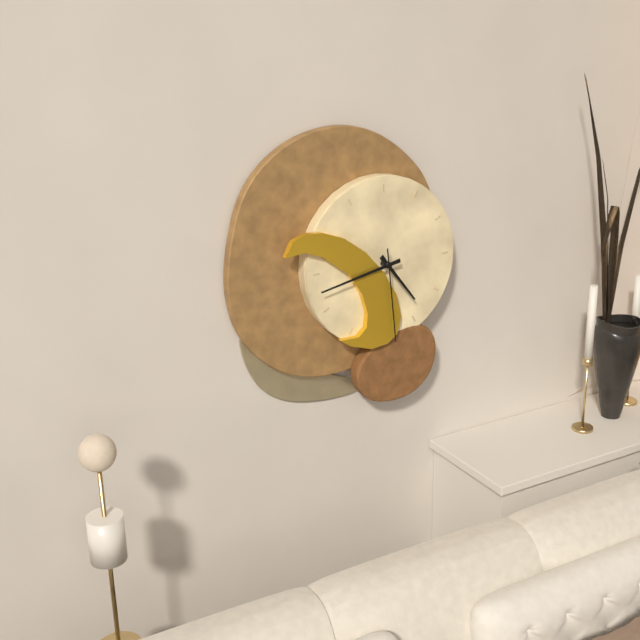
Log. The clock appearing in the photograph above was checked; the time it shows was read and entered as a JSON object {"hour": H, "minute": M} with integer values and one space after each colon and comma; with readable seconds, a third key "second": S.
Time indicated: {"hour": 4, "minute": 43, "second": 29}
